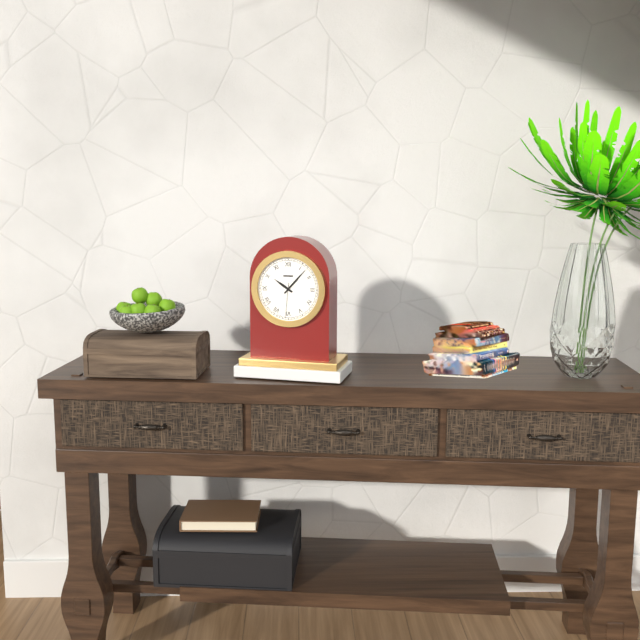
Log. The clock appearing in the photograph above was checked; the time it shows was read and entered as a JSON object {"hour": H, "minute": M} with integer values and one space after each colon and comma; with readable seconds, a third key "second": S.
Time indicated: {"hour": 10, "minute": 7}
